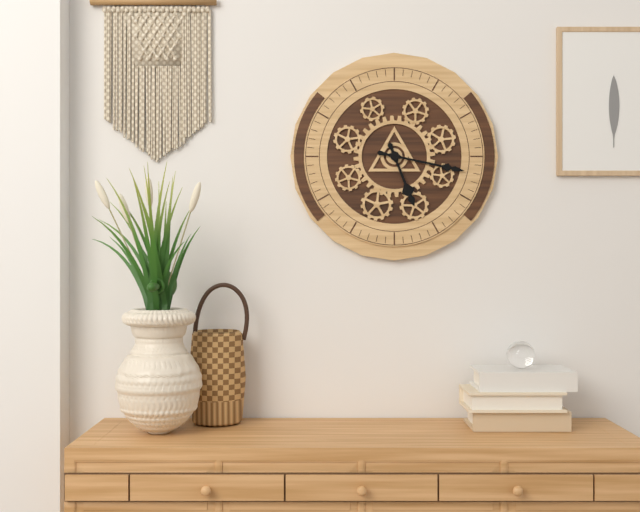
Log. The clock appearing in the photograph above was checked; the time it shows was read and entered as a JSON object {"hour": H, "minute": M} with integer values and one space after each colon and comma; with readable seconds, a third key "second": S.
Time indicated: {"hour": 5, "minute": 17}
